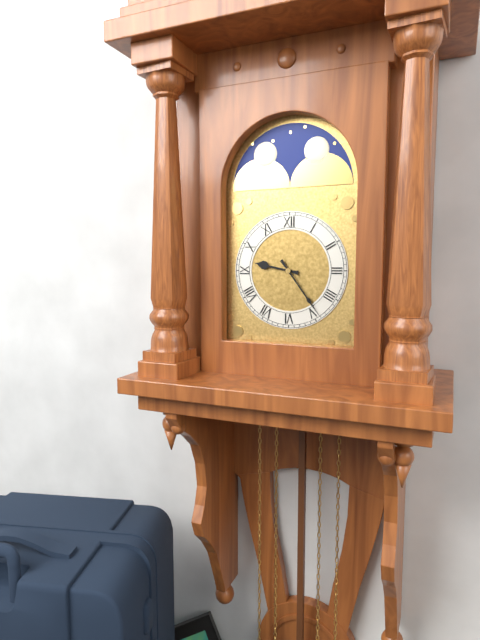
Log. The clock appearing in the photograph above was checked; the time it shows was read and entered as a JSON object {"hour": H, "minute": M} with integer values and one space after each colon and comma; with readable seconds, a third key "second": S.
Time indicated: {"hour": 9, "minute": 24}
